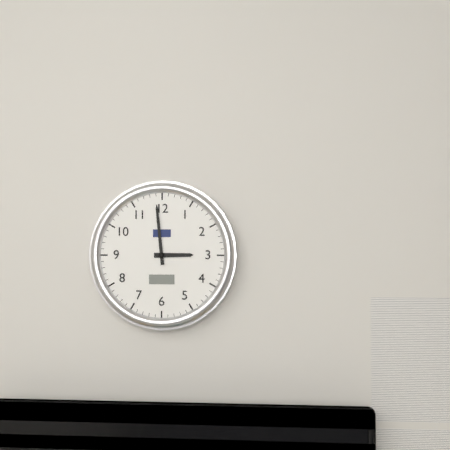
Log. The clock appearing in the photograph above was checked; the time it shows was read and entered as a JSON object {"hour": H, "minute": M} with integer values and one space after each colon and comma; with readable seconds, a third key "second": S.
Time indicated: {"hour": 2, "minute": 59}
